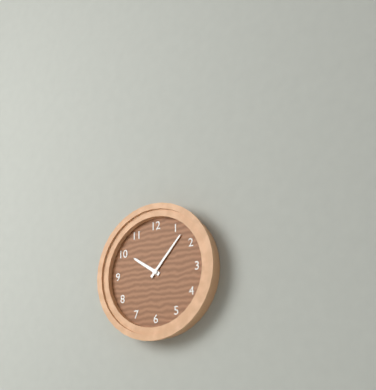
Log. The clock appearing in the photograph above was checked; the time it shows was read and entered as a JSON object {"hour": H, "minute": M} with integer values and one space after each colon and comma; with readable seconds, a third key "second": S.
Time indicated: {"hour": 10, "minute": 7}
